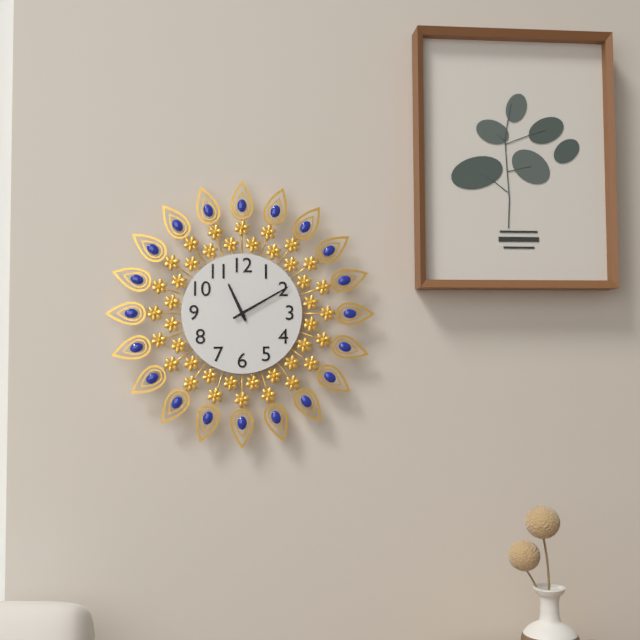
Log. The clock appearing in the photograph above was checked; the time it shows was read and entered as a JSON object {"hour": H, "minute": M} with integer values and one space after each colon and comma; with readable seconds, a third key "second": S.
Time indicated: {"hour": 11, "minute": 10}
